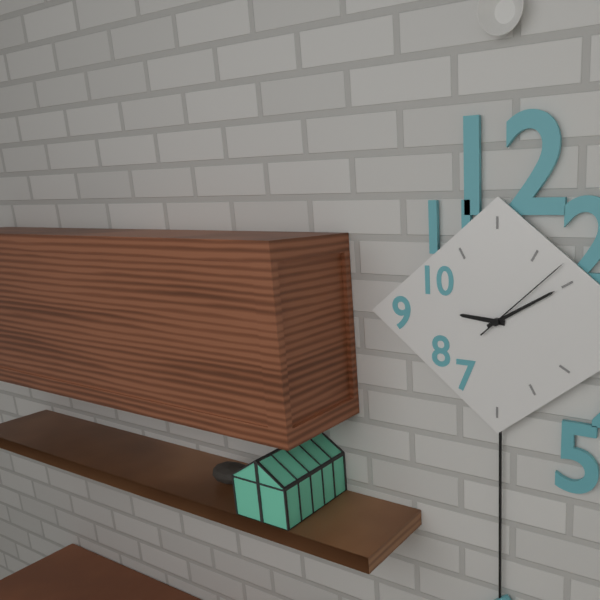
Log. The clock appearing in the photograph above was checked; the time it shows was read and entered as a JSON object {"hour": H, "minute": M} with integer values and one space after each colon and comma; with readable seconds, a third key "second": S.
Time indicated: {"hour": 9, "minute": 10, "second": 8}
